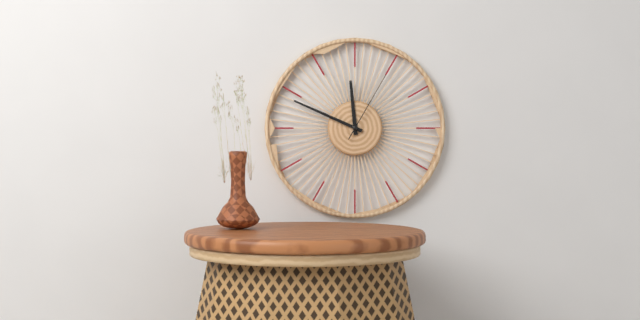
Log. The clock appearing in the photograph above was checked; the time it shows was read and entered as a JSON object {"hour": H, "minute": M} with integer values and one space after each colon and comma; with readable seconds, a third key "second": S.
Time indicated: {"hour": 11, "minute": 49, "second": 5}
